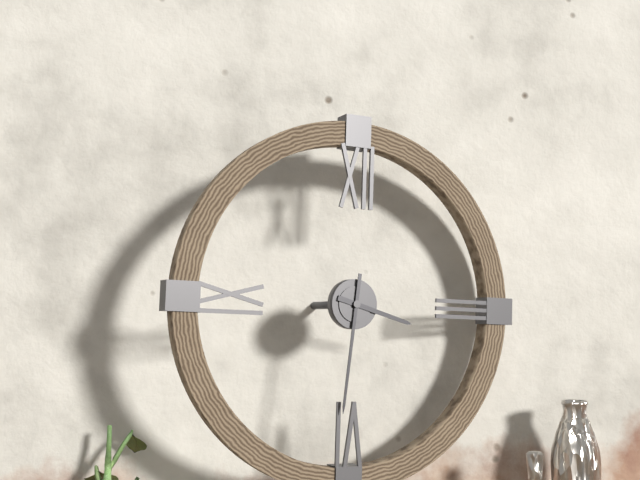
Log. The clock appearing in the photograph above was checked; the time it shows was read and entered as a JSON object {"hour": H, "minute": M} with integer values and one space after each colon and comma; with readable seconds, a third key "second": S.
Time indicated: {"hour": 3, "minute": 31}
